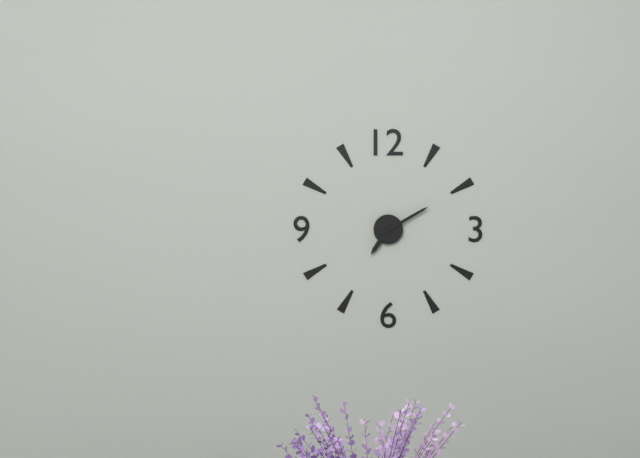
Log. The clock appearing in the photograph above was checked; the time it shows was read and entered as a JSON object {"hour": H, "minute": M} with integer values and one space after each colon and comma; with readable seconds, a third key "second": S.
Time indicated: {"hour": 7, "minute": 10}
